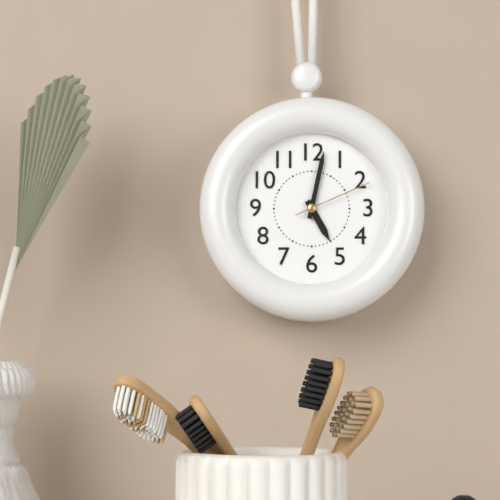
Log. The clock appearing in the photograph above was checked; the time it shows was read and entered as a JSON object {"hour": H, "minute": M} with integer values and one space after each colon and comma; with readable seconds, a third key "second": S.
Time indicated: {"hour": 5, "minute": 2, "second": 11}
